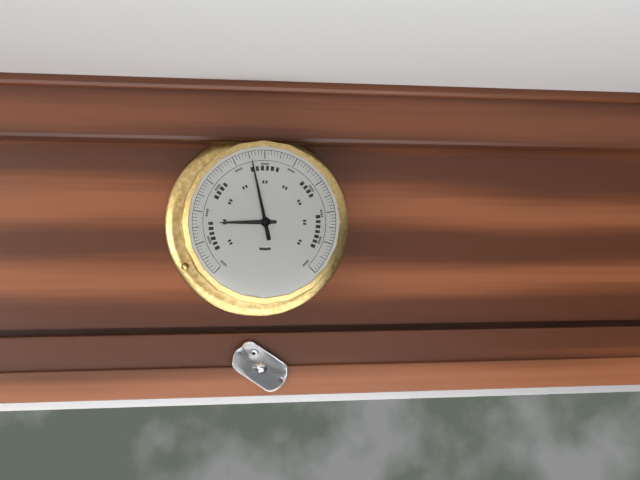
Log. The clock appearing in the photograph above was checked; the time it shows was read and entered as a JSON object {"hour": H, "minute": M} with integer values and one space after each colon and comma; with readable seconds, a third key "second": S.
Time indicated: {"hour": 8, "minute": 58}
